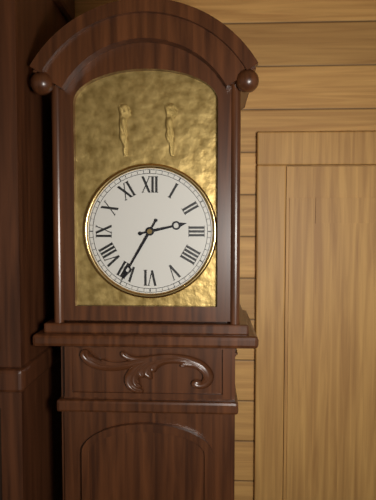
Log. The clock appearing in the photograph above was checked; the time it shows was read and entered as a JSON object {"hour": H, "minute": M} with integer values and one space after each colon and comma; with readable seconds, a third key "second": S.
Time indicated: {"hour": 2, "minute": 35}
